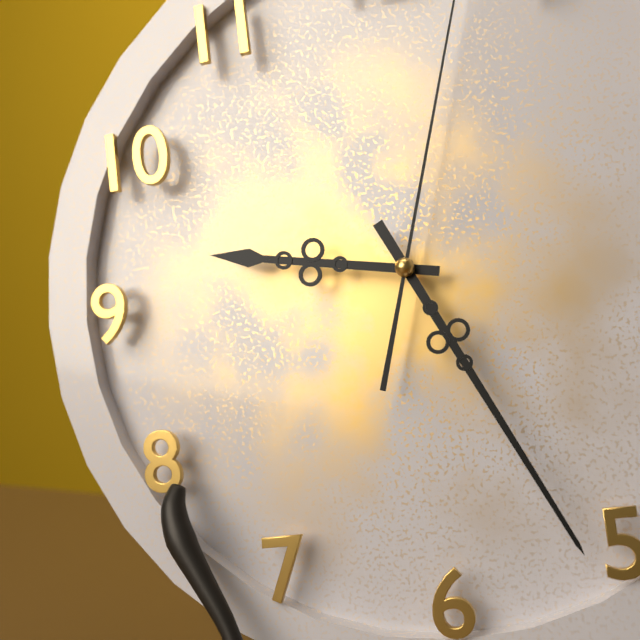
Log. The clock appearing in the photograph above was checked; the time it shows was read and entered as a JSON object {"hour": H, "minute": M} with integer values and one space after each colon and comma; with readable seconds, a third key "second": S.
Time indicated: {"hour": 9, "minute": 26}
